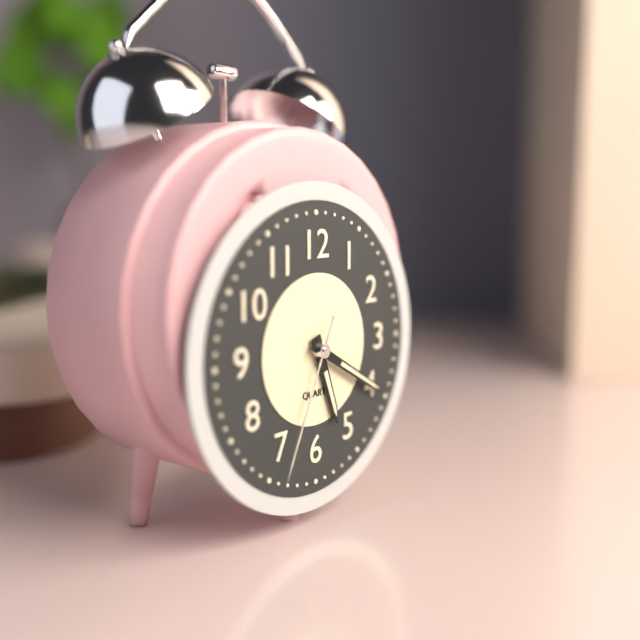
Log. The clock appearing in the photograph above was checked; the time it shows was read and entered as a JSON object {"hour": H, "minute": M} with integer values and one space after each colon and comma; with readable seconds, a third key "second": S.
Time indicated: {"hour": 5, "minute": 20, "second": 34}
